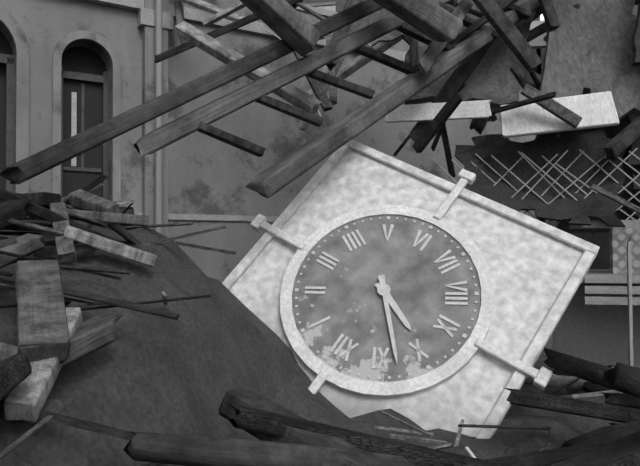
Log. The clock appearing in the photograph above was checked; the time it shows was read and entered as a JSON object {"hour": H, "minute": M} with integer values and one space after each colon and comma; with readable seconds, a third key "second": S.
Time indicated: {"hour": 9, "minute": 53}
